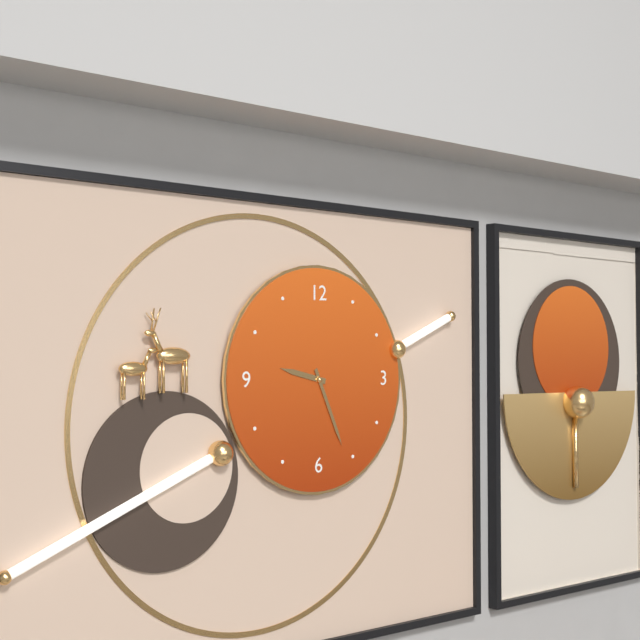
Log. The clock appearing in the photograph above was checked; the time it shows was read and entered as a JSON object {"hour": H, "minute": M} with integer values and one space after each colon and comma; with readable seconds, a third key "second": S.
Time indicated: {"hour": 9, "minute": 26}
